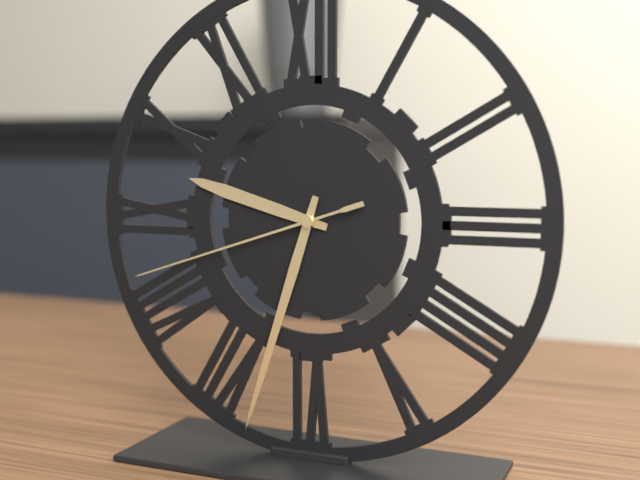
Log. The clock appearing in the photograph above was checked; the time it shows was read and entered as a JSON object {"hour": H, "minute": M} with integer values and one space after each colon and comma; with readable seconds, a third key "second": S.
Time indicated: {"hour": 9, "minute": 33, "second": 42}
